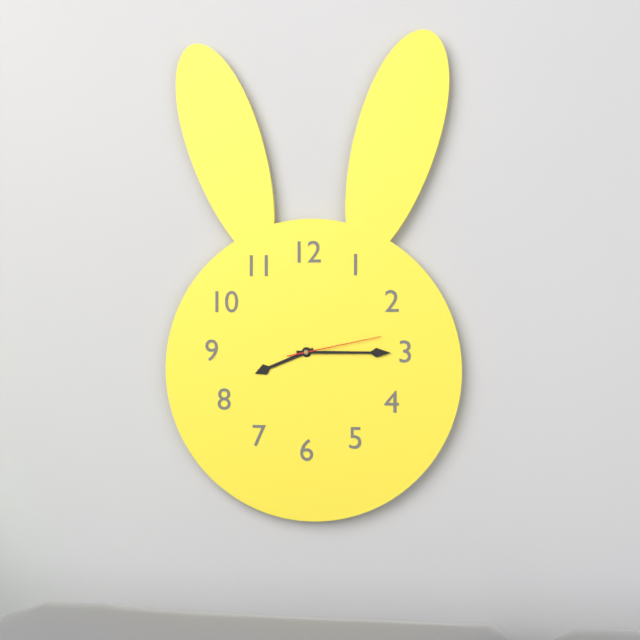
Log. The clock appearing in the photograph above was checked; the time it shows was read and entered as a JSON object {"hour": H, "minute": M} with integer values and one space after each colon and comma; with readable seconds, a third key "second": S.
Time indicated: {"hour": 8, "minute": 15, "second": 13}
